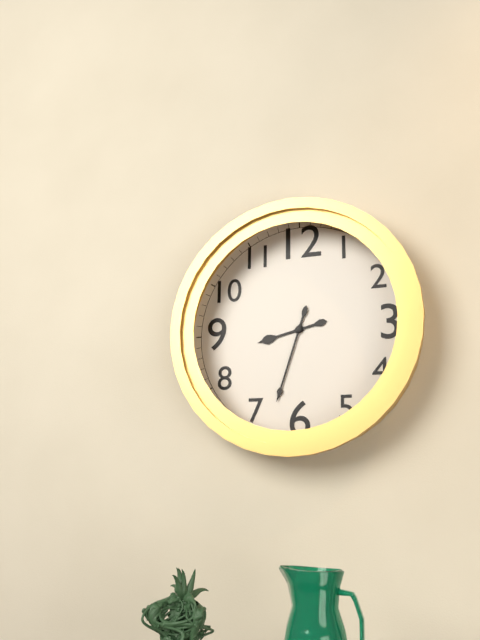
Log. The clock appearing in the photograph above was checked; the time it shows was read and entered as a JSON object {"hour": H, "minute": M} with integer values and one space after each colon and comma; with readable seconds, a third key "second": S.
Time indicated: {"hour": 8, "minute": 33}
